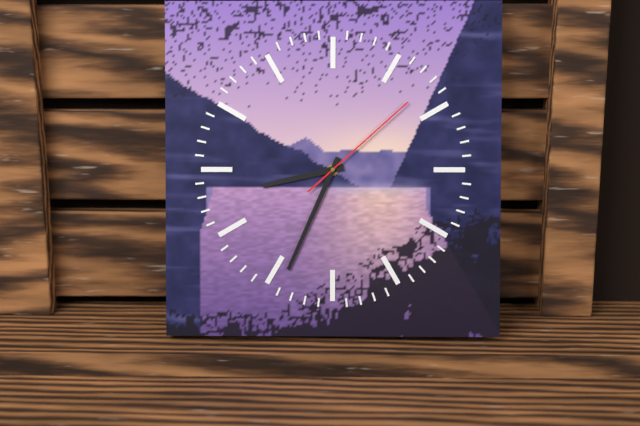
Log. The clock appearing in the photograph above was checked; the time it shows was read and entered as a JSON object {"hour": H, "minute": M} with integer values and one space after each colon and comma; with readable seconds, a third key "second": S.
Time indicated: {"hour": 8, "minute": 34, "second": 8}
